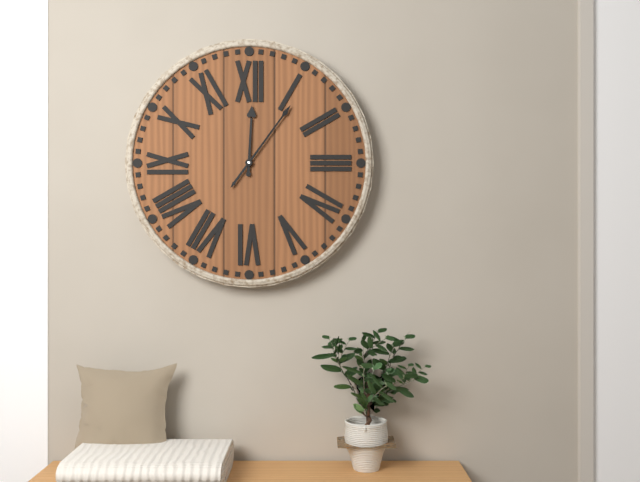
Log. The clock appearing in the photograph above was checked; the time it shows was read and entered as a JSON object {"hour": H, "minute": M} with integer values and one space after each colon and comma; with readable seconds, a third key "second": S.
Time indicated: {"hour": 12, "minute": 6}
